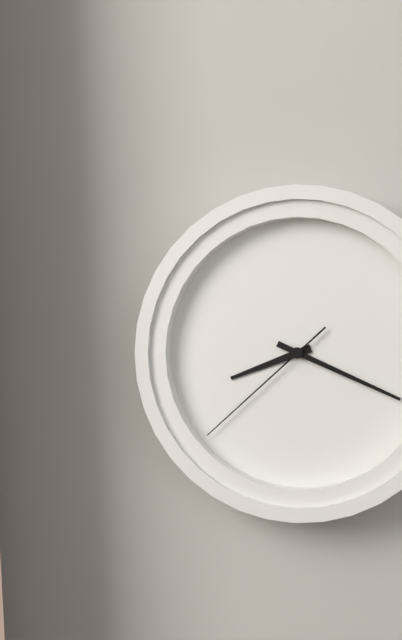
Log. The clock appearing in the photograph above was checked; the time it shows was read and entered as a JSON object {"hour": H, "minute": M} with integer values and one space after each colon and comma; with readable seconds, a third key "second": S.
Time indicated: {"hour": 8, "minute": 19, "second": 38}
